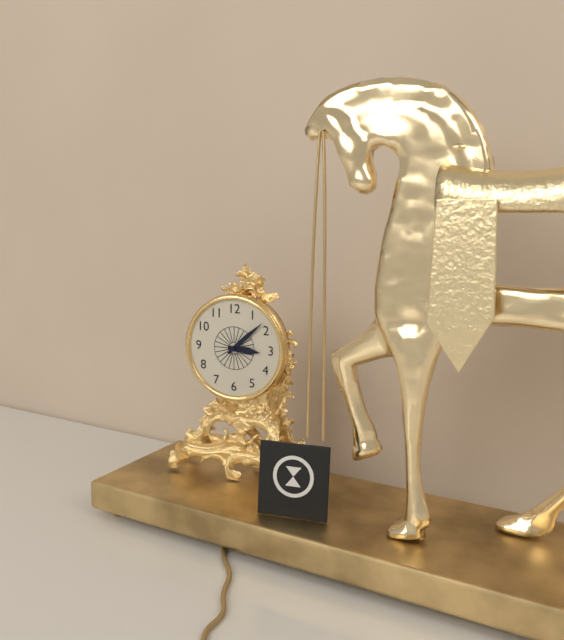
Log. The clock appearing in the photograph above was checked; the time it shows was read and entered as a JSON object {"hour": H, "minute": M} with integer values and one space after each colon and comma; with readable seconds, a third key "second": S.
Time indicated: {"hour": 3, "minute": 8}
